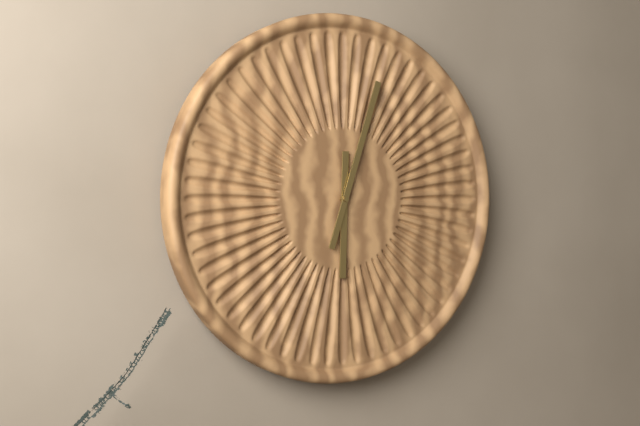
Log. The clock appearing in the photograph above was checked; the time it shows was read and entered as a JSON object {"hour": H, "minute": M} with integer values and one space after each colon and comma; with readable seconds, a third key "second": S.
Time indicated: {"hour": 6, "minute": 3}
